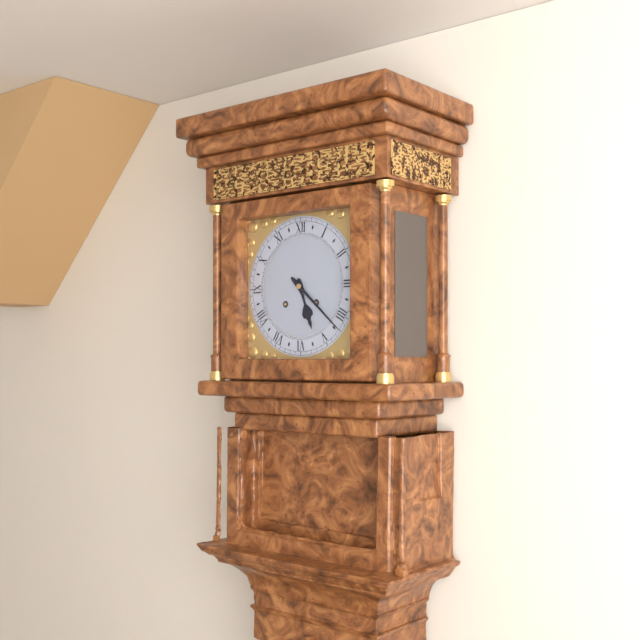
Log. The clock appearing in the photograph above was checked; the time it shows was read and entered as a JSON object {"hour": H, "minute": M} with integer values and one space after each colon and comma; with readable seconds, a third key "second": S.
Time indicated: {"hour": 5, "minute": 22}
